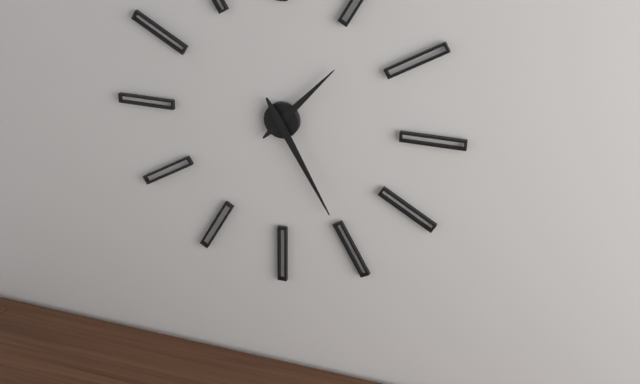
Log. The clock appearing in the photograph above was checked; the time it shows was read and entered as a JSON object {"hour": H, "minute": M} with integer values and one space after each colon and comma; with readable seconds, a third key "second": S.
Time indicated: {"hour": 1, "minute": 25}
